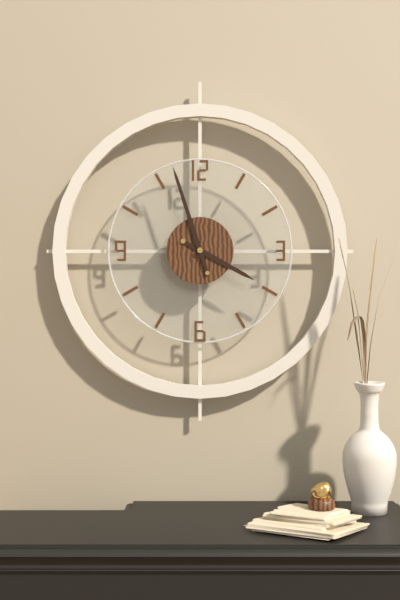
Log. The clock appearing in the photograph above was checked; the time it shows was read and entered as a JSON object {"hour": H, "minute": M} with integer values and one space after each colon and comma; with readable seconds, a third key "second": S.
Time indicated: {"hour": 3, "minute": 57}
